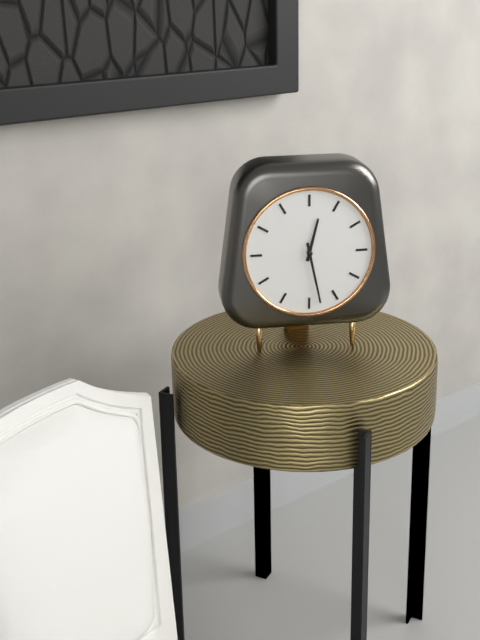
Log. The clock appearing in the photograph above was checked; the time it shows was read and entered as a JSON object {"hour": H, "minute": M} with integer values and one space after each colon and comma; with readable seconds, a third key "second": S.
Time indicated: {"hour": 12, "minute": 28}
